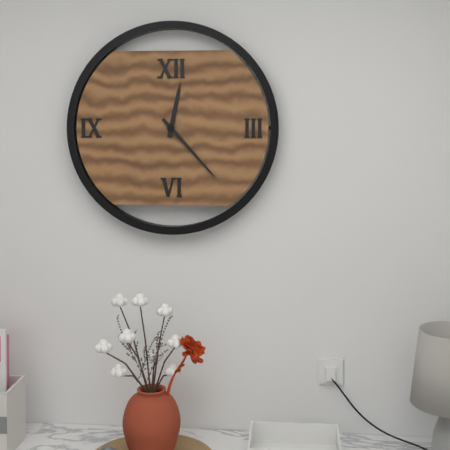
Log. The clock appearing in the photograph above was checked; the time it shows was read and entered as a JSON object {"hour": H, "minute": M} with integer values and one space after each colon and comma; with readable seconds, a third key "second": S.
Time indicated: {"hour": 12, "minute": 23}
